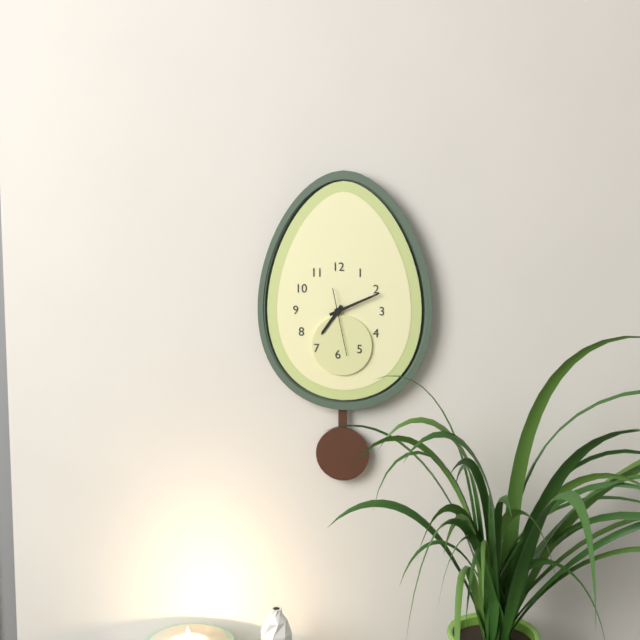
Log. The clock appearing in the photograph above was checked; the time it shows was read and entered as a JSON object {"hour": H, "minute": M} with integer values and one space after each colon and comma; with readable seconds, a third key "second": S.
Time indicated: {"hour": 7, "minute": 11, "second": 28}
